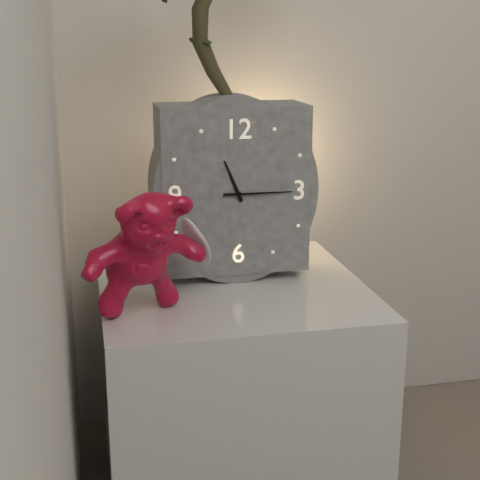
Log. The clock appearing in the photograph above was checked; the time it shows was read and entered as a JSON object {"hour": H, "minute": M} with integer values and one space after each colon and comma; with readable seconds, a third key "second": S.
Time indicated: {"hour": 11, "minute": 15}
